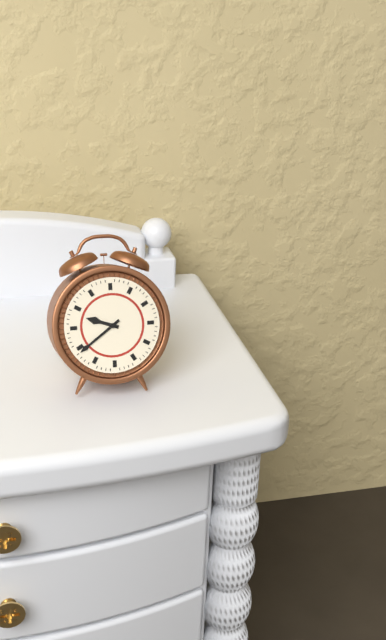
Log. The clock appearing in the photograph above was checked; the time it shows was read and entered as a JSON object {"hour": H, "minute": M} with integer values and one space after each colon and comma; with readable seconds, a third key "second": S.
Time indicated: {"hour": 9, "minute": 39}
